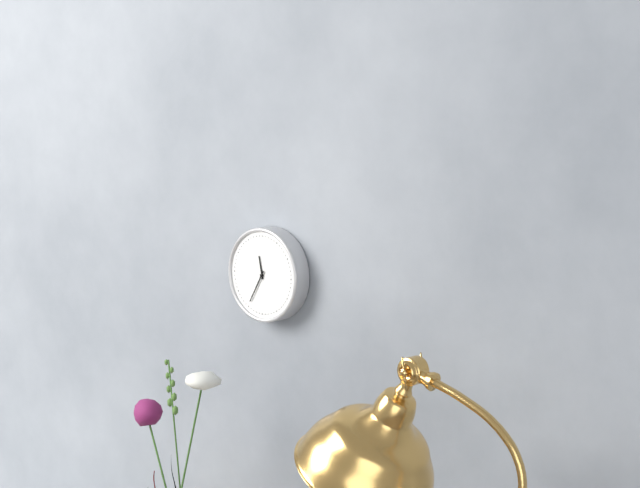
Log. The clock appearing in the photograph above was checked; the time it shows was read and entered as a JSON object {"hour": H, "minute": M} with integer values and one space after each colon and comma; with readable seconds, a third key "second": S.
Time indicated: {"hour": 11, "minute": 35}
